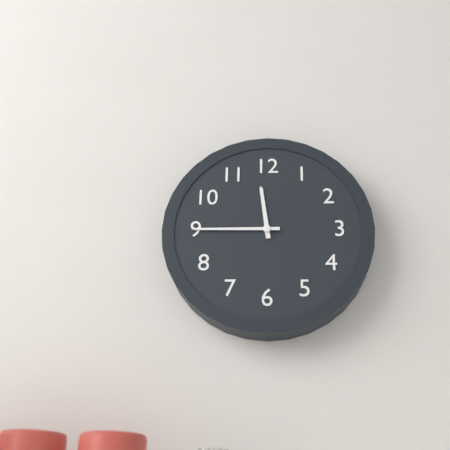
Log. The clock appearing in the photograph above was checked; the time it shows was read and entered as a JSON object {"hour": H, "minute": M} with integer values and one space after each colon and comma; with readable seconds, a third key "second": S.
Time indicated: {"hour": 11, "minute": 45}
